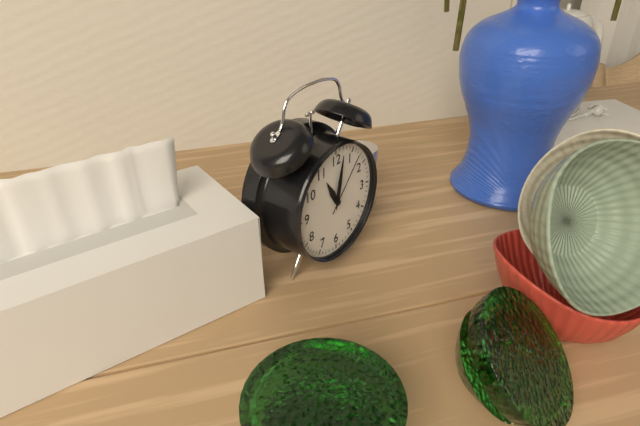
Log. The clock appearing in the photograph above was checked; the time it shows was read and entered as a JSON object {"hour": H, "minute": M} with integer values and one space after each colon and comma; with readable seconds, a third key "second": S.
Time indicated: {"hour": 11, "minute": 2, "second": 7}
